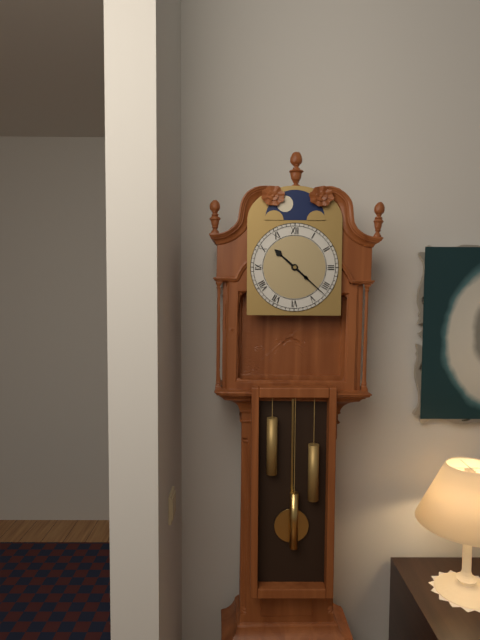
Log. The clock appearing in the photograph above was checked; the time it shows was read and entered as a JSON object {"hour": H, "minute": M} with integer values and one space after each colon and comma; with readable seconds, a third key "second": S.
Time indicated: {"hour": 10, "minute": 22}
